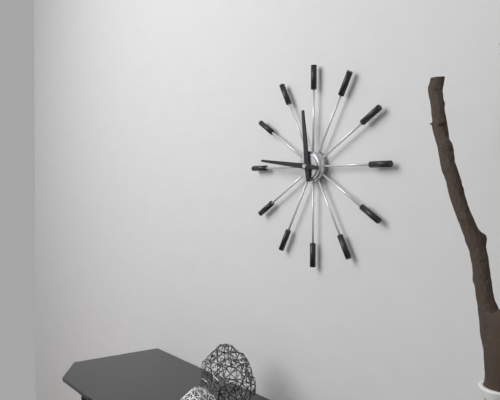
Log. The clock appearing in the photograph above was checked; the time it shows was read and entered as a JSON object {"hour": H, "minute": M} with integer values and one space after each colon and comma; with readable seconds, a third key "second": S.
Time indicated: {"hour": 11, "minute": 46}
